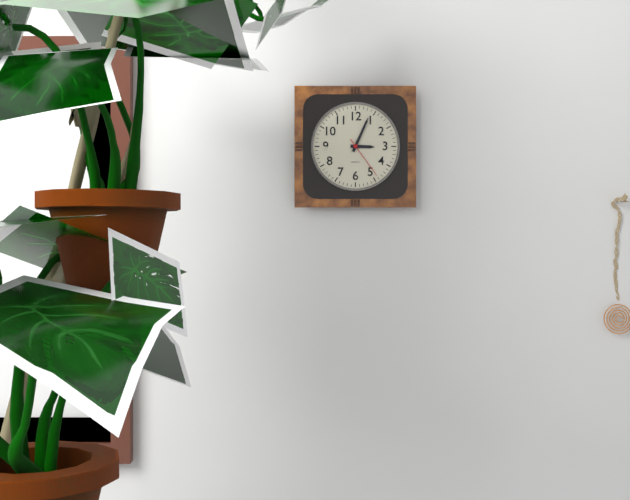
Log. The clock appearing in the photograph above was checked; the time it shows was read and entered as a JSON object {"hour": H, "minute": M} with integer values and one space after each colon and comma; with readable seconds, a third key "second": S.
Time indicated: {"hour": 3, "minute": 4}
